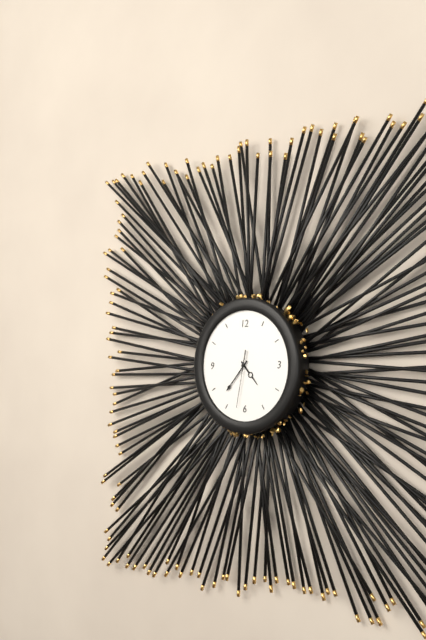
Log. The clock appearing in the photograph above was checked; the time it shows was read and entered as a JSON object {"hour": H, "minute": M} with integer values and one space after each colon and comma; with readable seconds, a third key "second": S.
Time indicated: {"hour": 4, "minute": 37, "second": 32}
